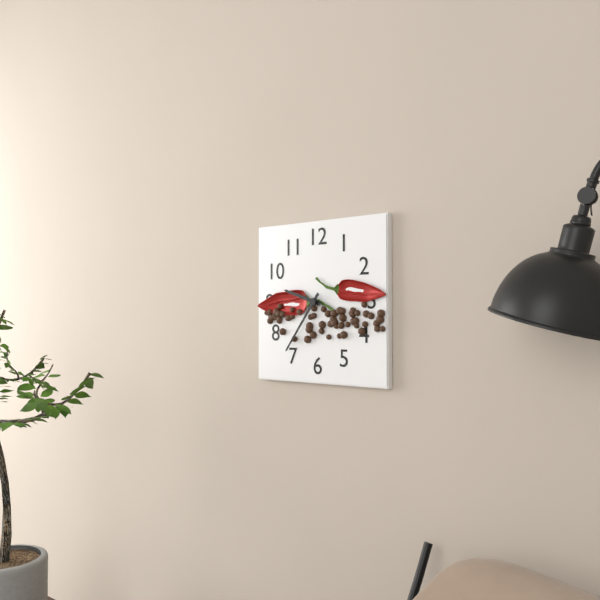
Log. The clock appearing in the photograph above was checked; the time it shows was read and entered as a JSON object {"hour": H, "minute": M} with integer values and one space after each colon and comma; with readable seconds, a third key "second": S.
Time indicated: {"hour": 9, "minute": 36}
